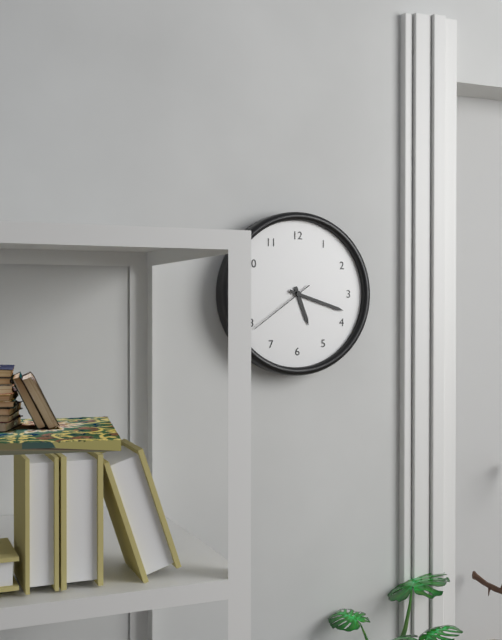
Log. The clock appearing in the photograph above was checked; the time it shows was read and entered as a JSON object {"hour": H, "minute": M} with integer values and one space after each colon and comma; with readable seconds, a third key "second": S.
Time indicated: {"hour": 5, "minute": 18, "second": 39}
